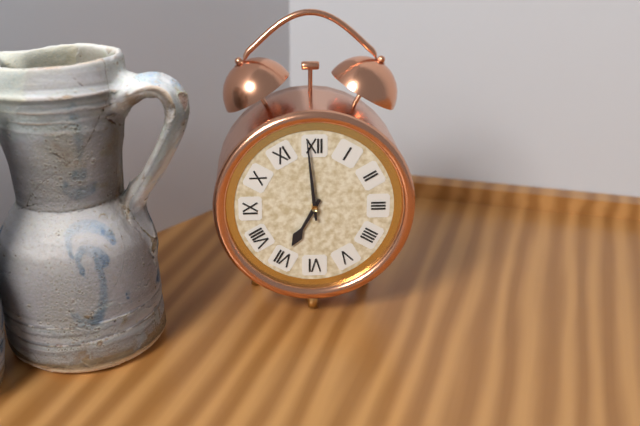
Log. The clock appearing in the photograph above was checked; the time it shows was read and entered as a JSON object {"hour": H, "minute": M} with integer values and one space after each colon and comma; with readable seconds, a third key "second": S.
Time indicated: {"hour": 6, "minute": 59}
